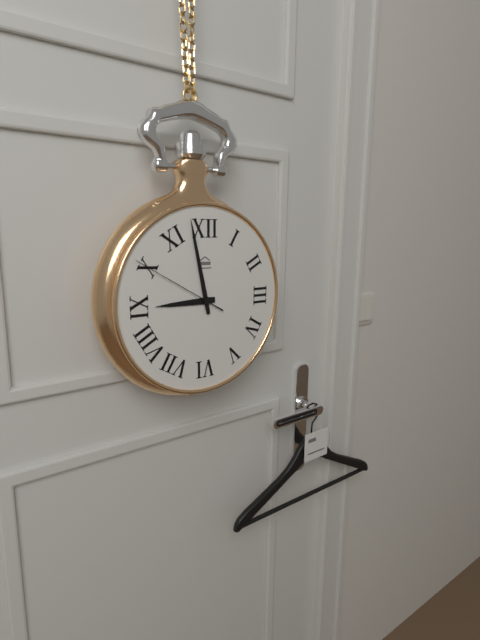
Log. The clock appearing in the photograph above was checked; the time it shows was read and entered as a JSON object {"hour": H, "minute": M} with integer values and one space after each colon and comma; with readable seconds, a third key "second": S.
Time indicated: {"hour": 8, "minute": 58, "second": 50}
